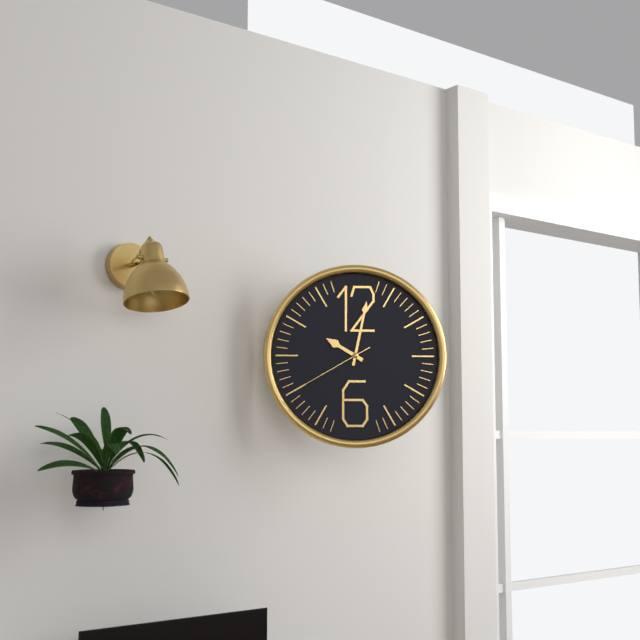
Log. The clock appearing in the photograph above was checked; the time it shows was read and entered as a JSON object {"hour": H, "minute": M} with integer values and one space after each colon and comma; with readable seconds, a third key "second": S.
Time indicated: {"hour": 10, "minute": 2, "second": 40}
